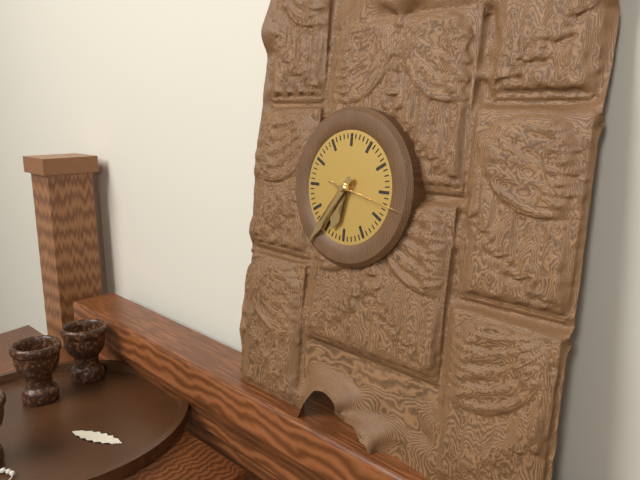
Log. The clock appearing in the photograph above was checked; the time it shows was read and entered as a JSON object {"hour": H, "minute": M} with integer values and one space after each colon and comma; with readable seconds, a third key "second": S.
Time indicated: {"hour": 6, "minute": 36, "second": 17}
